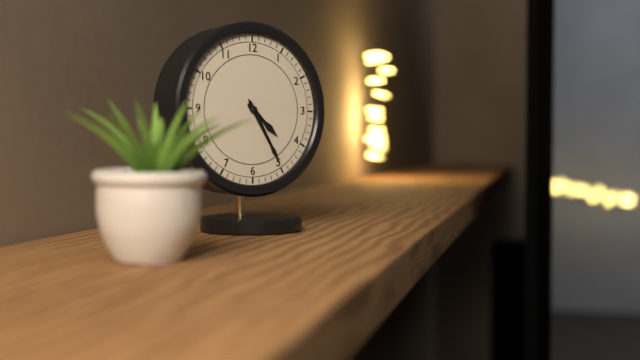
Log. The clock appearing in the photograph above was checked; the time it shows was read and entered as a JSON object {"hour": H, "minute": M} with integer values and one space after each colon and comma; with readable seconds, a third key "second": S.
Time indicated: {"hour": 4, "minute": 25}
